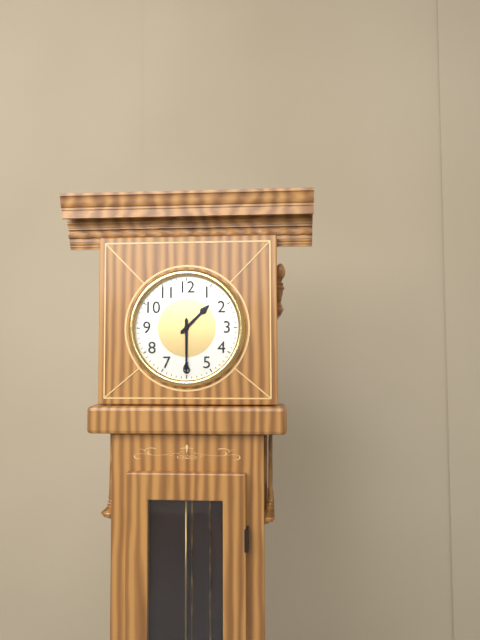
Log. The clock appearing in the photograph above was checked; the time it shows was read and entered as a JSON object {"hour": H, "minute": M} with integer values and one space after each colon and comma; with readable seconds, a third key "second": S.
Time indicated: {"hour": 1, "minute": 30}
